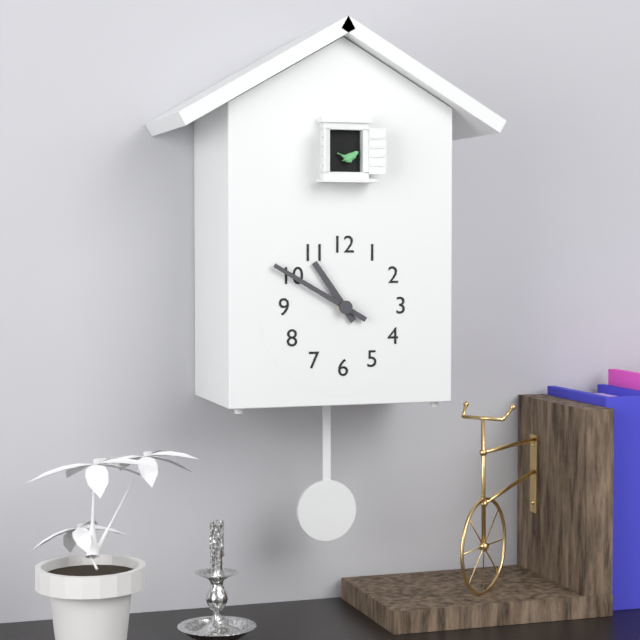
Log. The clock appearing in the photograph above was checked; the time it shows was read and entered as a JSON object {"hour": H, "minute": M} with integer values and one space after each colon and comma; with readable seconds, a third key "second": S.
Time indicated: {"hour": 10, "minute": 50}
